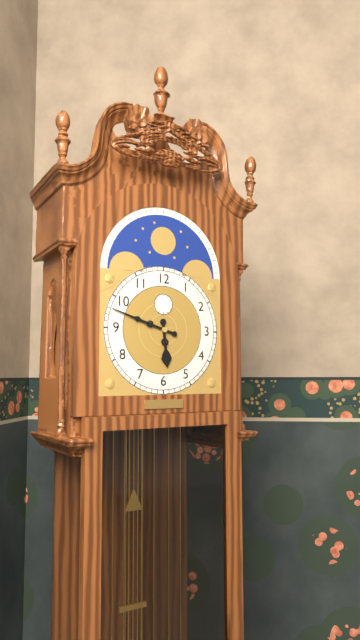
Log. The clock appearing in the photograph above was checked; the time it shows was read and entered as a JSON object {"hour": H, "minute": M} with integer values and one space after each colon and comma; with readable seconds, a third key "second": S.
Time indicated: {"hour": 5, "minute": 48}
